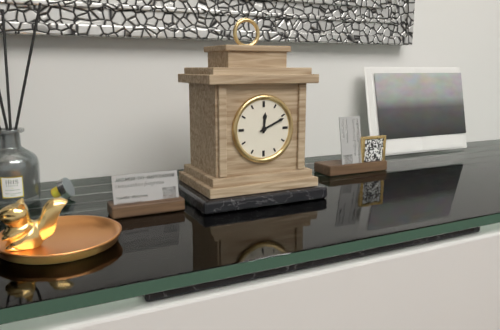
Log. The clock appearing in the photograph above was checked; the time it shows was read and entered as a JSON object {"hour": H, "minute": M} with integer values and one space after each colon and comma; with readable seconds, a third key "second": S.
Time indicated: {"hour": 12, "minute": 11}
